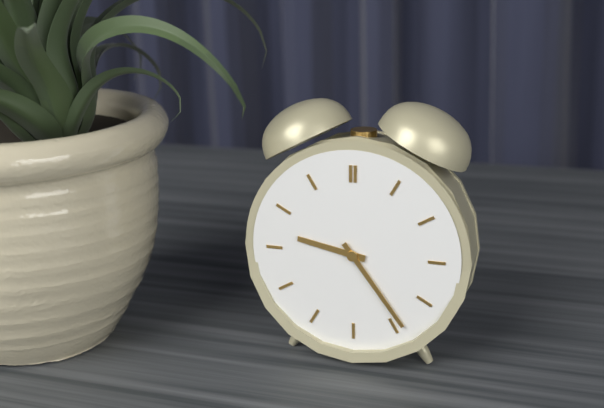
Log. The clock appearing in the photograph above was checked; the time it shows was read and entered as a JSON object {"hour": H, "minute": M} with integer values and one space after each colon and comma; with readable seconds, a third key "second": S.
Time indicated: {"hour": 9, "minute": 24}
